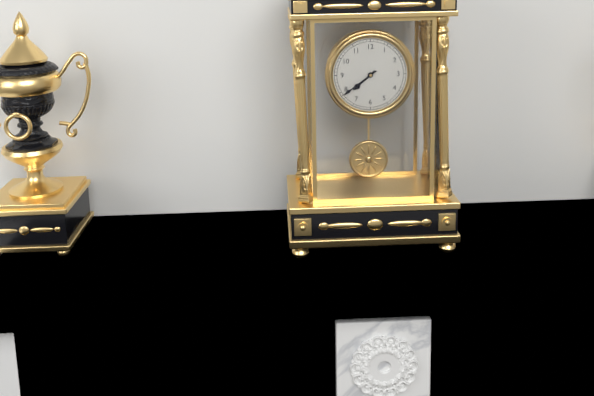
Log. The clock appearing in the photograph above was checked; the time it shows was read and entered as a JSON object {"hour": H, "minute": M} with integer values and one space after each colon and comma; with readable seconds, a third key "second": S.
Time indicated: {"hour": 7, "minute": 39}
